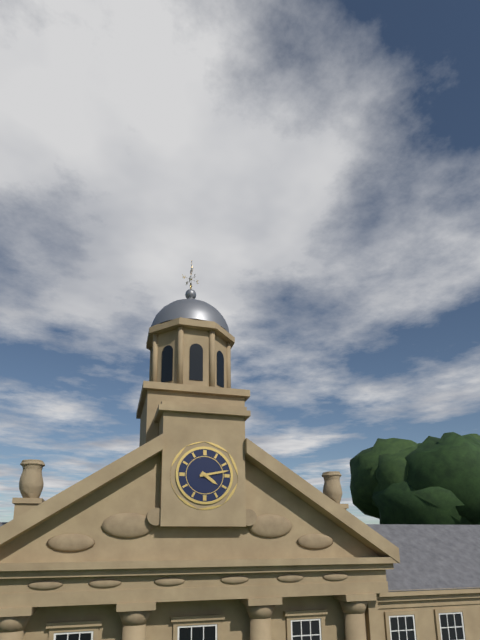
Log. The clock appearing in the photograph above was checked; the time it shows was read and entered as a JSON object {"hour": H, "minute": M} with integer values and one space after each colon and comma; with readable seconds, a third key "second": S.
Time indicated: {"hour": 4, "minute": 13}
